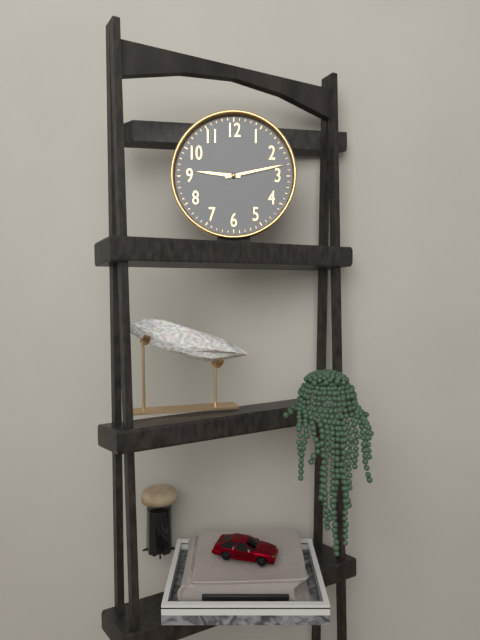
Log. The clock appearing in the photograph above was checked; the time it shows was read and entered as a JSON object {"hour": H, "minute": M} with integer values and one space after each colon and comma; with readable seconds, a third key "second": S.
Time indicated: {"hour": 9, "minute": 13}
